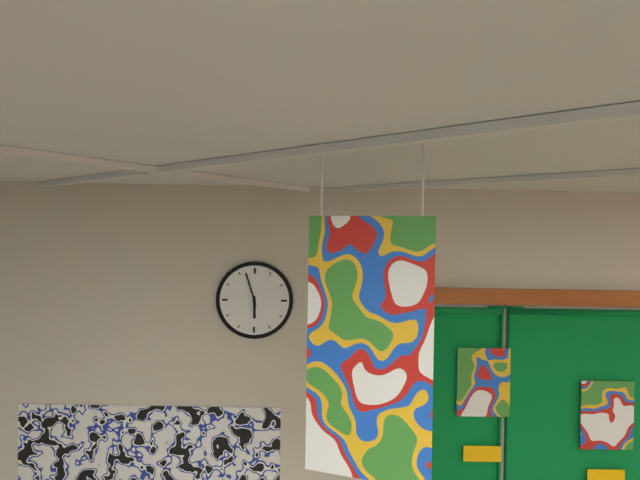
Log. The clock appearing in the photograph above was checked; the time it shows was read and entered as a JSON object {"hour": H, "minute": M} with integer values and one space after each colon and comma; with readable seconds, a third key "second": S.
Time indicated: {"hour": 5, "minute": 57}
